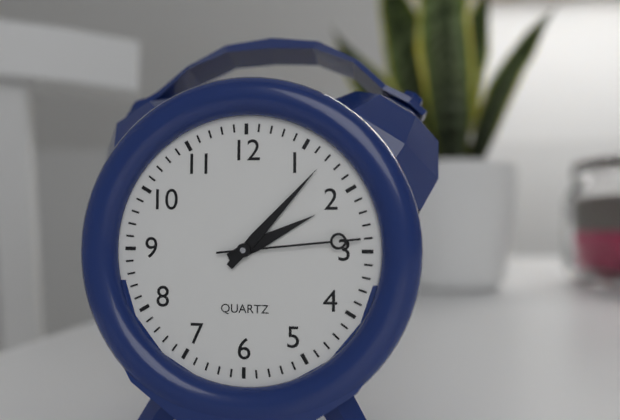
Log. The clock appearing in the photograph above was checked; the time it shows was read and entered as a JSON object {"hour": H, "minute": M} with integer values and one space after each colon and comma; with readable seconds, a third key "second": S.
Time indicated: {"hour": 2, "minute": 7, "second": 14}
